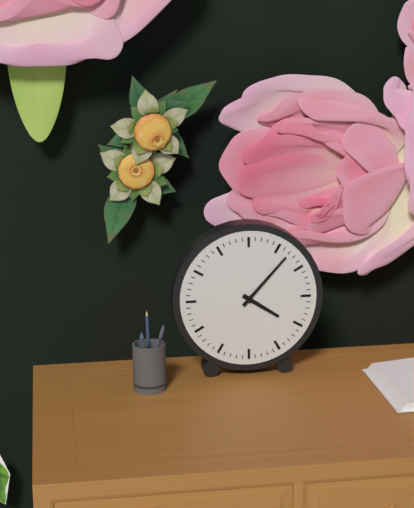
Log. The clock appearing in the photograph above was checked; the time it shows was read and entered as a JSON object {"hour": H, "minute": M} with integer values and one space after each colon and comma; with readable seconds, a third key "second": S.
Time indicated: {"hour": 4, "minute": 7}
